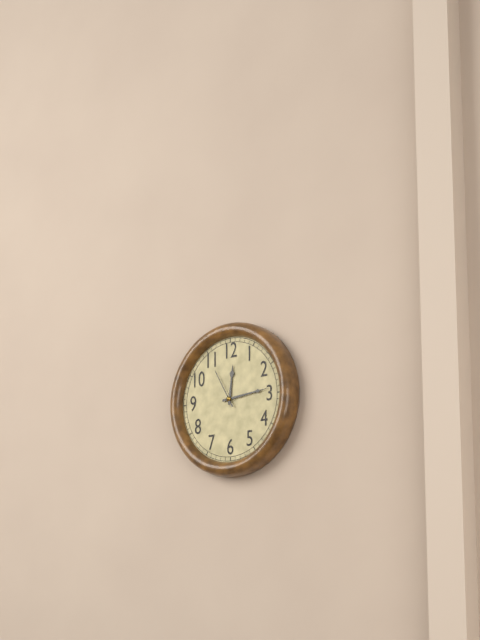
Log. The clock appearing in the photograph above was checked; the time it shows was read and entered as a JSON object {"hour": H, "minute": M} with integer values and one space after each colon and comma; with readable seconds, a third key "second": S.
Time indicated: {"hour": 12, "minute": 14}
